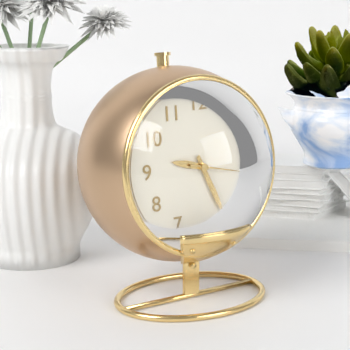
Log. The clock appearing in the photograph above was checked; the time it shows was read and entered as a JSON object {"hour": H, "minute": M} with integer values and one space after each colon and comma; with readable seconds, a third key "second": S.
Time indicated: {"hour": 9, "minute": 26, "second": 17}
